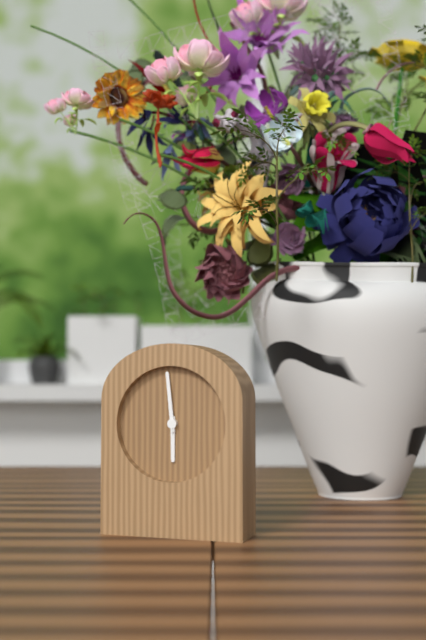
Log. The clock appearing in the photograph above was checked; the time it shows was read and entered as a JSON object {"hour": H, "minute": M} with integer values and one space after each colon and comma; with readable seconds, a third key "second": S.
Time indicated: {"hour": 5, "minute": 59}
